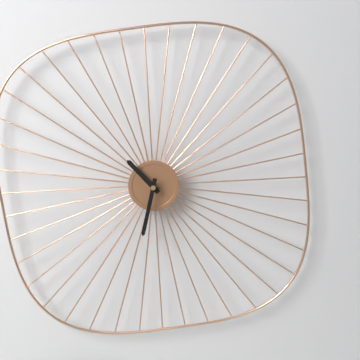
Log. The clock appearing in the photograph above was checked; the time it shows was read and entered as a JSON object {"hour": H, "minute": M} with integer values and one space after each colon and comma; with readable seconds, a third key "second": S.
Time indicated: {"hour": 10, "minute": 32}
